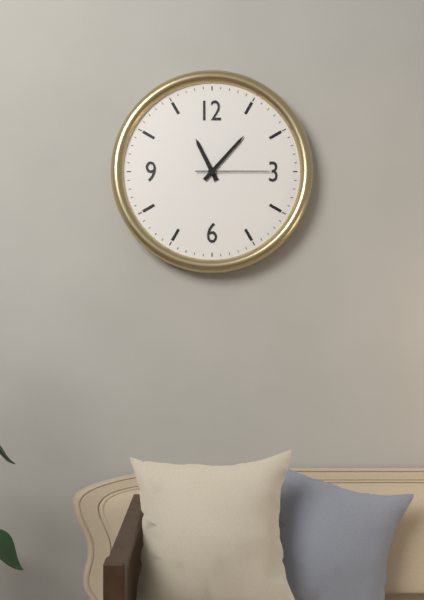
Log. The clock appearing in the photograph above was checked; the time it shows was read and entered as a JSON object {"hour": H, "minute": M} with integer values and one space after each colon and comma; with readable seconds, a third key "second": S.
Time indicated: {"hour": 11, "minute": 7, "second": 15}
